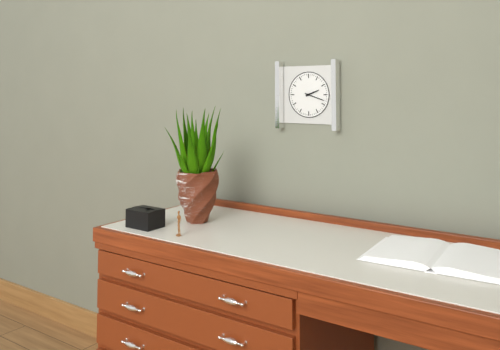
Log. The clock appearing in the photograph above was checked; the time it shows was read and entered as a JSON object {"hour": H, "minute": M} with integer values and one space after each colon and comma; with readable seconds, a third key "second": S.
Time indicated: {"hour": 2, "minute": 18}
